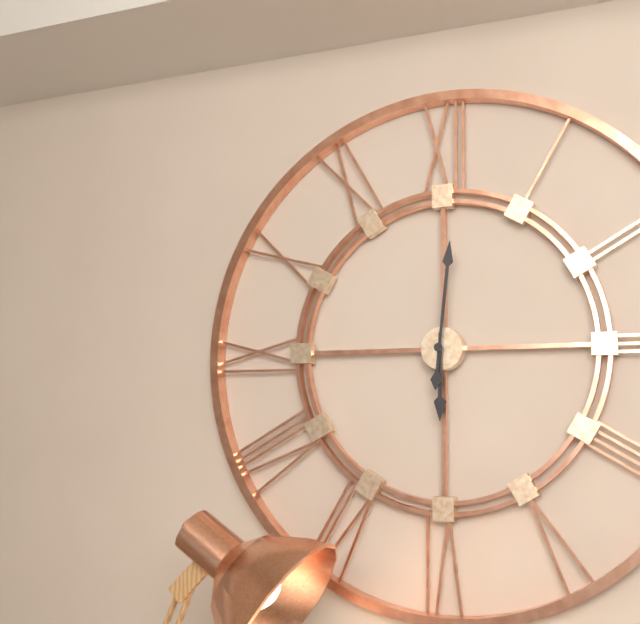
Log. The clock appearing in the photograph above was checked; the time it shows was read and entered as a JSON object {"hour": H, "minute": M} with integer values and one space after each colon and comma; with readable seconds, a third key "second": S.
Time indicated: {"hour": 6, "minute": 1}
